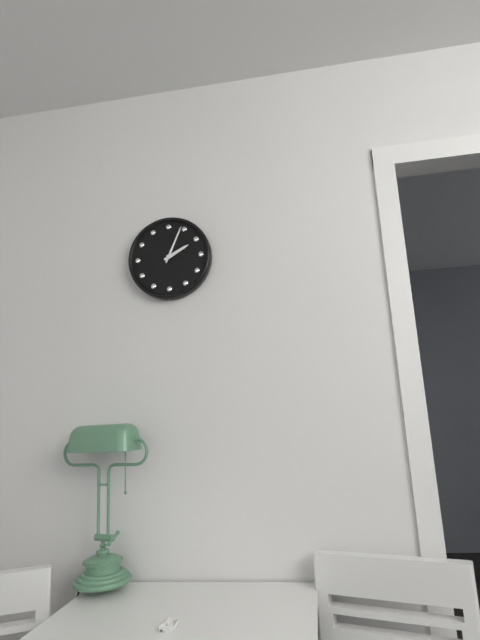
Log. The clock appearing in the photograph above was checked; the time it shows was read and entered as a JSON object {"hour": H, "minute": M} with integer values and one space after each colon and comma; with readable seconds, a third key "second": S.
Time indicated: {"hour": 2, "minute": 4}
